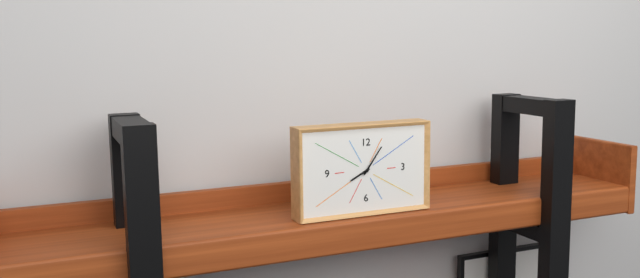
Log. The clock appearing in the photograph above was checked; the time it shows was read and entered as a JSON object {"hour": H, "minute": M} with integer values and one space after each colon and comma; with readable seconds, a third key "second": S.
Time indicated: {"hour": 8, "minute": 6}
